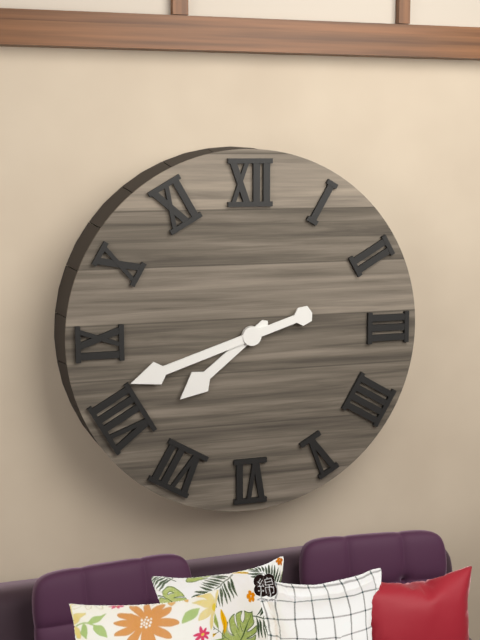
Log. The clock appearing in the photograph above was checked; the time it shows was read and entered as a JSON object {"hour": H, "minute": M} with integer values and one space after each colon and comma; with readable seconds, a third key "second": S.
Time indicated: {"hour": 7, "minute": 42}
